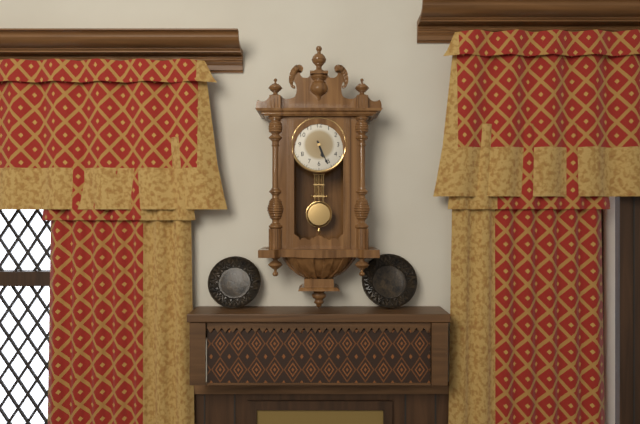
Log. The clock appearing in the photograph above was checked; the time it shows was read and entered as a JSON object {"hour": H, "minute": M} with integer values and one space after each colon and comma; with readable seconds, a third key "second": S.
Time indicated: {"hour": 5, "minute": 26}
